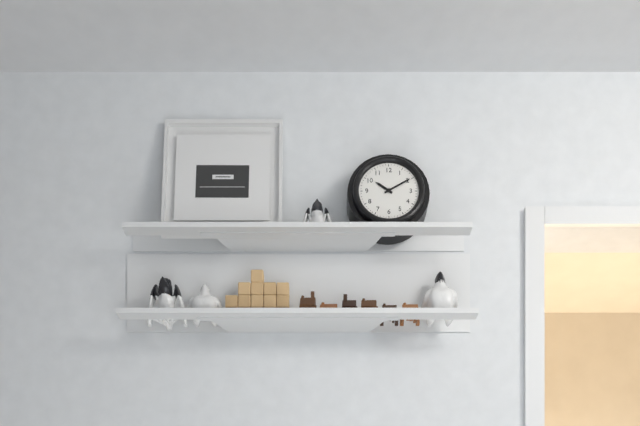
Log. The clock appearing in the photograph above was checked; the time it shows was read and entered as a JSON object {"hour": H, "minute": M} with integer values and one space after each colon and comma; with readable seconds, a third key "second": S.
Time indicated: {"hour": 10, "minute": 10}
